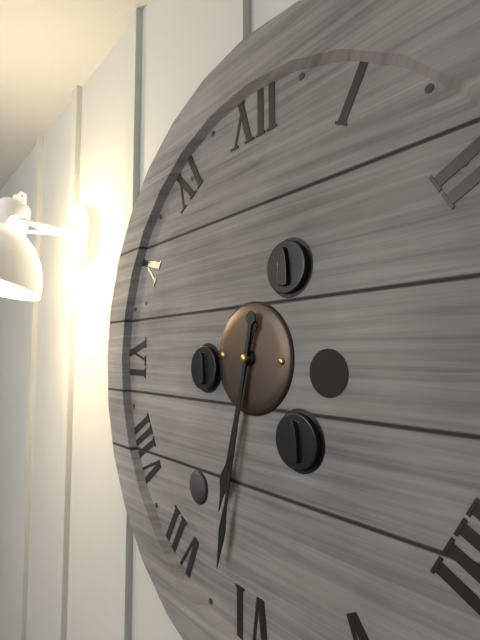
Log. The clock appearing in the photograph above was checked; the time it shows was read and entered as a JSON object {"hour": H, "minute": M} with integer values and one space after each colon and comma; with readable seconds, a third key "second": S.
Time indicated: {"hour": 6, "minute": 32}
